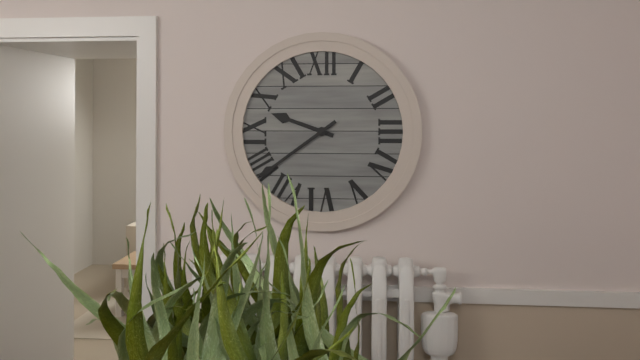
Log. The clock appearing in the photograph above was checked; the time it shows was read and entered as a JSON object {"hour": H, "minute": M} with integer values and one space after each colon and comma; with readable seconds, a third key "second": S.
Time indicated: {"hour": 9, "minute": 39}
